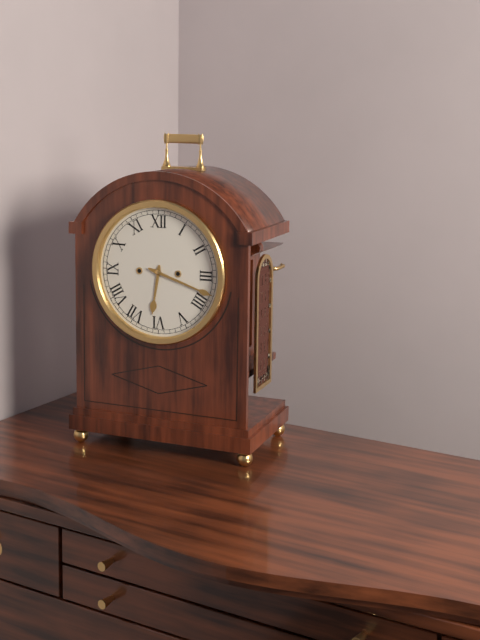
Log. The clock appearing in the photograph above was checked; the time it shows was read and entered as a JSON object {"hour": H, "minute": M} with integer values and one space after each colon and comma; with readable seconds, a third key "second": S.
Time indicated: {"hour": 6, "minute": 18}
